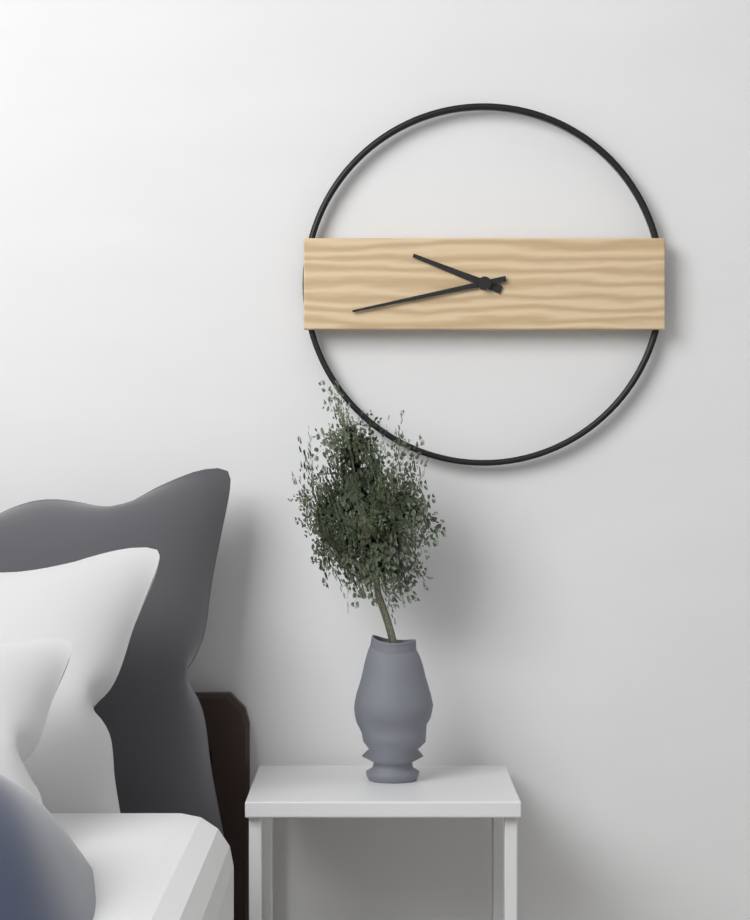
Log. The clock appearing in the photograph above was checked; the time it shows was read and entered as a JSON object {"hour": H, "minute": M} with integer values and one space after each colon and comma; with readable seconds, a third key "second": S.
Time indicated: {"hour": 9, "minute": 43}
